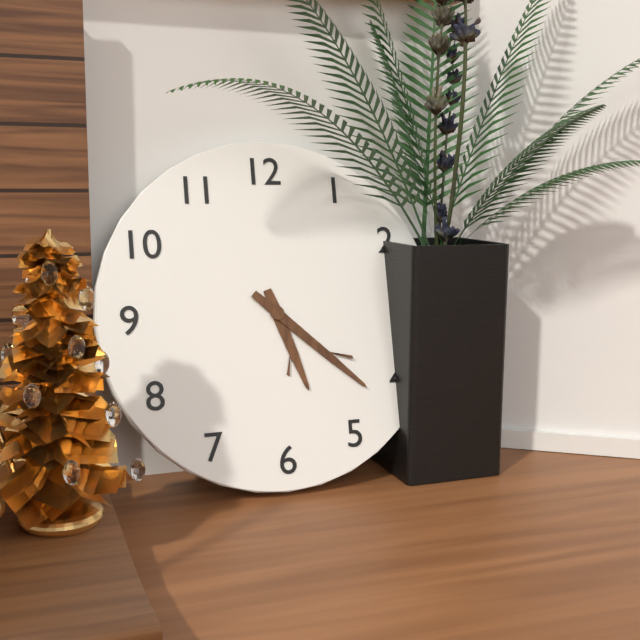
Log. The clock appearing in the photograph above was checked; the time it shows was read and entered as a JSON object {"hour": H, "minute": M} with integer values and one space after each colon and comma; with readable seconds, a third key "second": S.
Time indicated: {"hour": 5, "minute": 22}
